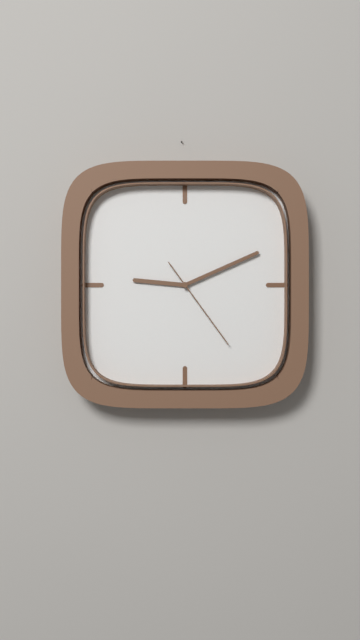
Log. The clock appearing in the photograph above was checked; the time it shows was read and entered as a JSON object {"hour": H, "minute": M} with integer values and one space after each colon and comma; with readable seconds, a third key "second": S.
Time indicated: {"hour": 9, "minute": 11, "second": 24}
